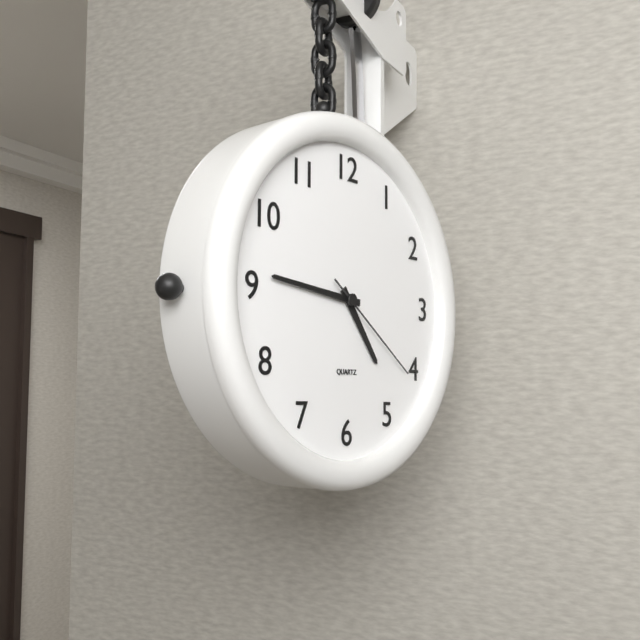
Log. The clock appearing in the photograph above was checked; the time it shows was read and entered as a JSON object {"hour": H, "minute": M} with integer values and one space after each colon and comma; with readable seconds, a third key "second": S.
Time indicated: {"hour": 4, "minute": 46, "second": 21}
